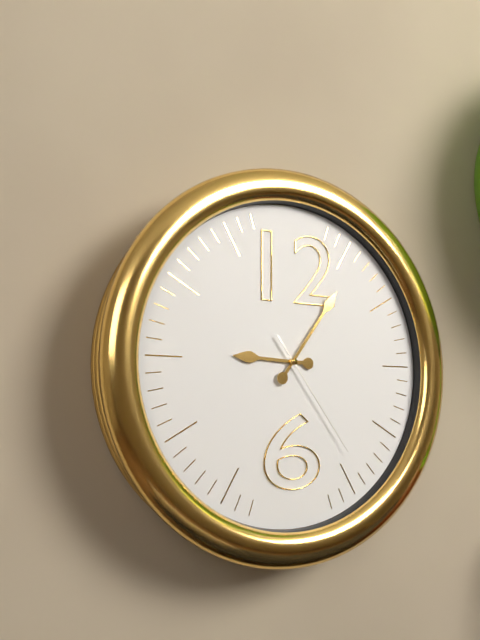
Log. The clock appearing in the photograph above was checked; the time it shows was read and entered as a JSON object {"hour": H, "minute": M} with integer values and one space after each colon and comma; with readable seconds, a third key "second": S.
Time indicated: {"hour": 9, "minute": 6, "second": 24}
